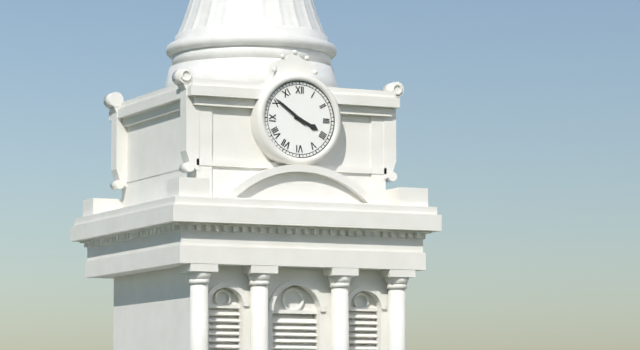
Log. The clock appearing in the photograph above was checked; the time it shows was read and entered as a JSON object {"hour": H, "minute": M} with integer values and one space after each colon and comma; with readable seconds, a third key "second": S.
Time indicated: {"hour": 3, "minute": 51}
